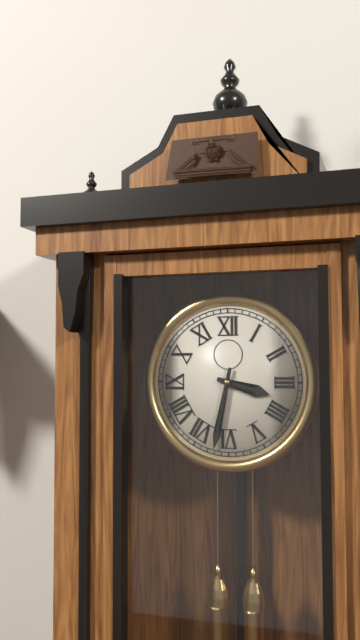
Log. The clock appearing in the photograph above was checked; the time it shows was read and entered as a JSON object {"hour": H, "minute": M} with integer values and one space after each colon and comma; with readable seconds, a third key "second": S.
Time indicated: {"hour": 3, "minute": 32}
